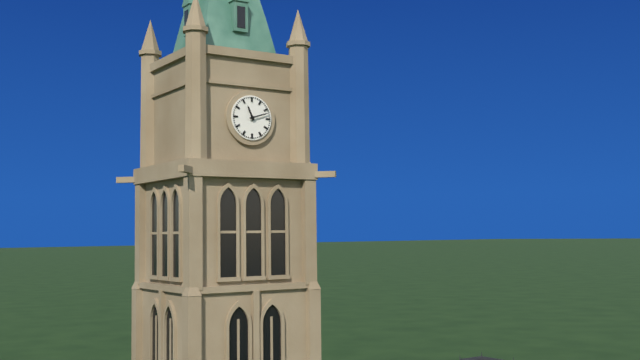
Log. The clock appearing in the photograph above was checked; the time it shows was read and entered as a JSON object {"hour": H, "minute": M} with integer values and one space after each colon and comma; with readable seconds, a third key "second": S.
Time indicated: {"hour": 11, "minute": 12}
